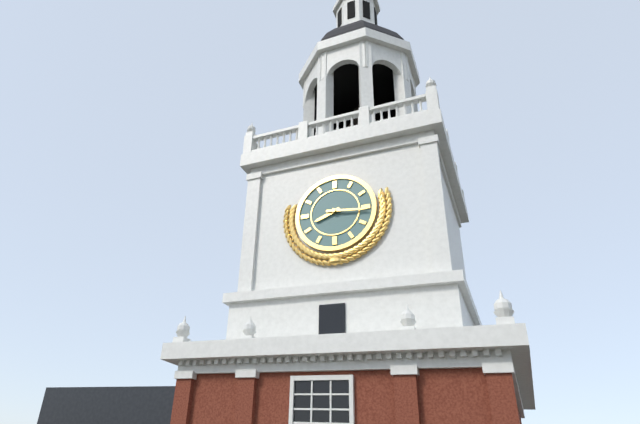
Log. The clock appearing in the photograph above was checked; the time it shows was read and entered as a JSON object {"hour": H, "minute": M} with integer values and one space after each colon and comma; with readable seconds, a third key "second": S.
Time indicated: {"hour": 8, "minute": 16}
